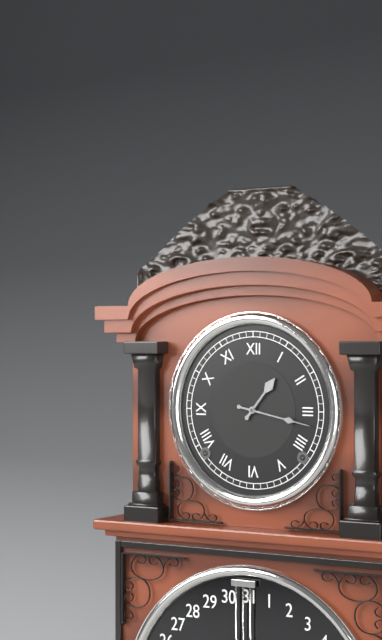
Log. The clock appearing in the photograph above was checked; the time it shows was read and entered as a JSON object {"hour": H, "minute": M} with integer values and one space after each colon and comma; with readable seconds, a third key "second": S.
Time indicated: {"hour": 1, "minute": 17}
